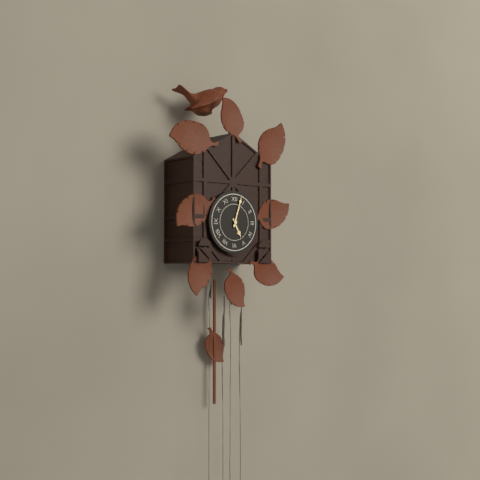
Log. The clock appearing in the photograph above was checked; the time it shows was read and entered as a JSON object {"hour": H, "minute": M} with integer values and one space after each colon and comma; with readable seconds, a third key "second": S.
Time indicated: {"hour": 5, "minute": 3}
